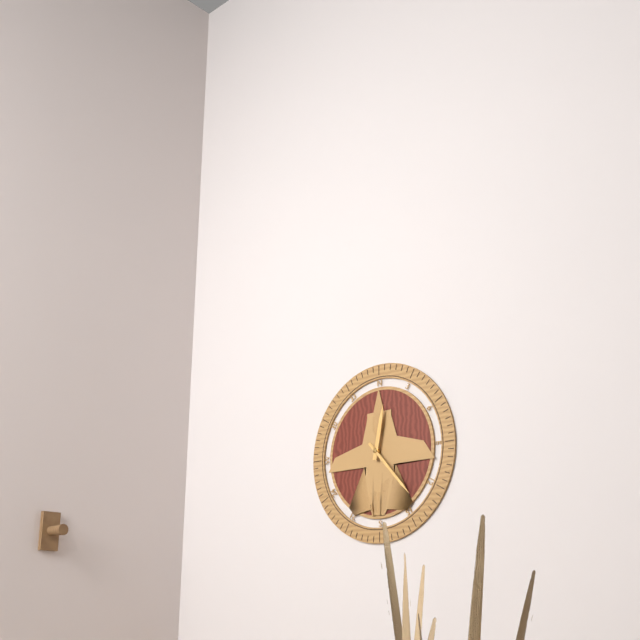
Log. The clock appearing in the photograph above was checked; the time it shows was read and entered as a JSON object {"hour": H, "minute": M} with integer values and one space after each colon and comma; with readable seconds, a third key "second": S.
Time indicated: {"hour": 12, "minute": 23}
